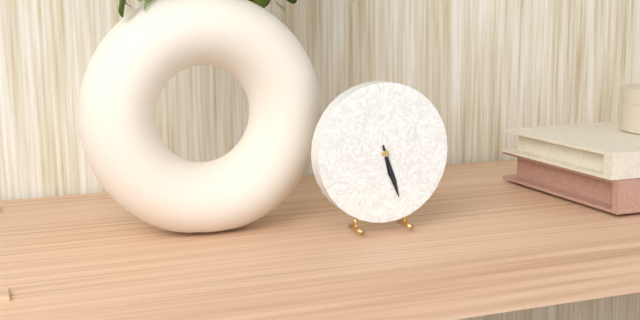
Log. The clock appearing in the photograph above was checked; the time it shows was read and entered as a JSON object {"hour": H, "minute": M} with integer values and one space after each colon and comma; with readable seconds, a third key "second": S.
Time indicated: {"hour": 5, "minute": 27}
